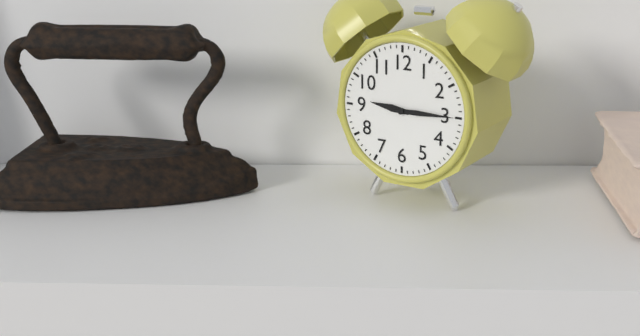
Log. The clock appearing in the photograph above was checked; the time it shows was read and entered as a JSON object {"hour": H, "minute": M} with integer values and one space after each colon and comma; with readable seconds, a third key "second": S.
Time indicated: {"hour": 9, "minute": 15}
